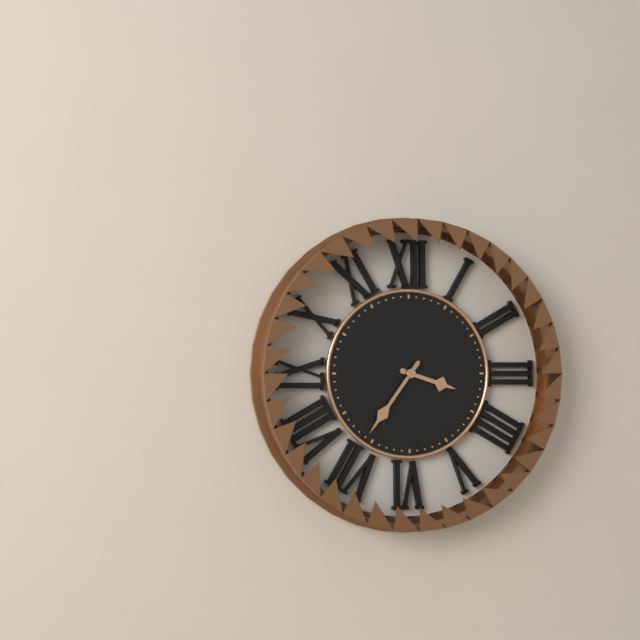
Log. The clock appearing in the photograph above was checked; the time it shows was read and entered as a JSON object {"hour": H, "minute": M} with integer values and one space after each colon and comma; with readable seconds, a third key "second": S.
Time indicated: {"hour": 3, "minute": 36}
